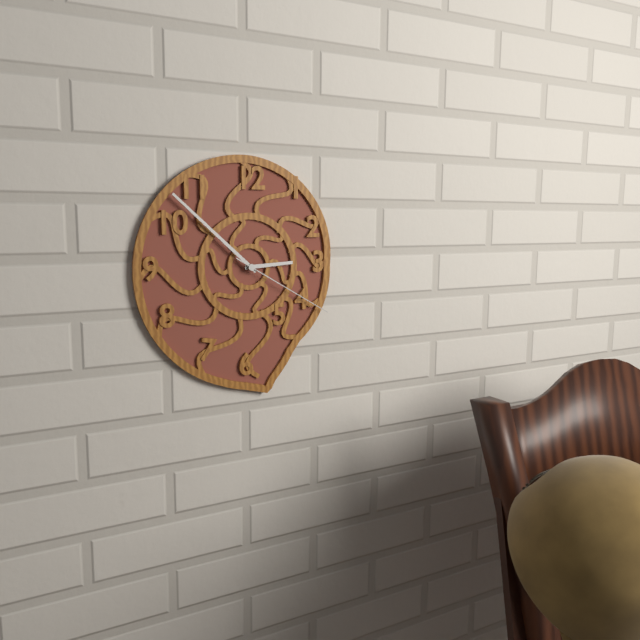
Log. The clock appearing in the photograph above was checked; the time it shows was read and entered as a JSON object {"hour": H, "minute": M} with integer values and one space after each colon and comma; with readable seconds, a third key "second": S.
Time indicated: {"hour": 2, "minute": 52, "second": 20}
